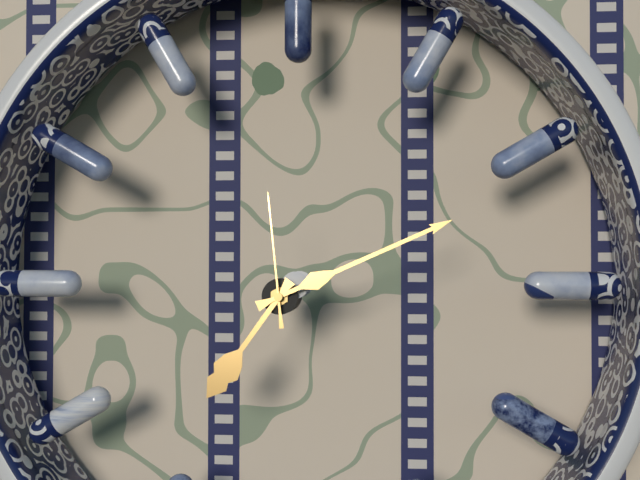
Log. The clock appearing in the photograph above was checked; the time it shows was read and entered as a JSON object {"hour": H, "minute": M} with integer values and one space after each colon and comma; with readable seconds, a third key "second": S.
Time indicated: {"hour": 7, "minute": 11, "second": 59}
